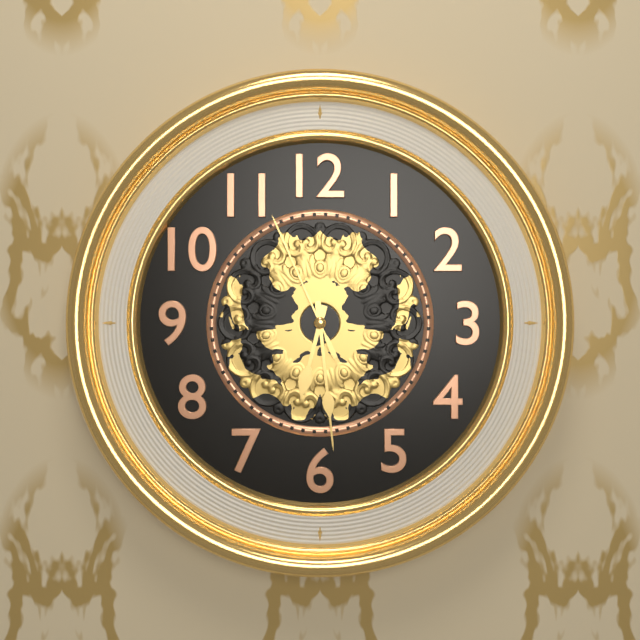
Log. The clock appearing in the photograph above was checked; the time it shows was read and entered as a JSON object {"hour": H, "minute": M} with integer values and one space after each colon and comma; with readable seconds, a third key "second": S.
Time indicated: {"hour": 6, "minute": 29, "second": 56}
